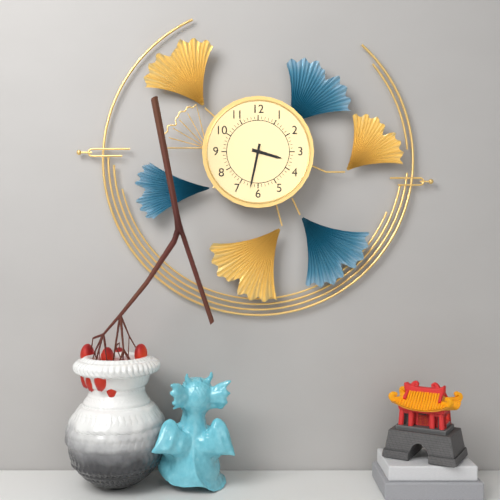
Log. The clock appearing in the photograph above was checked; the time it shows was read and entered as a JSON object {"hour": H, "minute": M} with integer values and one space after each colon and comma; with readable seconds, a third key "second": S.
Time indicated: {"hour": 3, "minute": 32}
